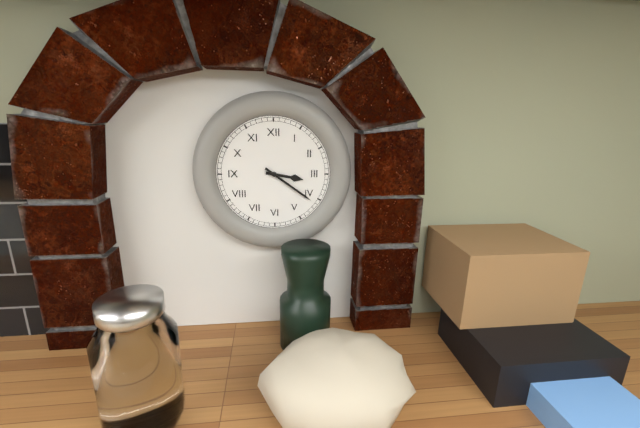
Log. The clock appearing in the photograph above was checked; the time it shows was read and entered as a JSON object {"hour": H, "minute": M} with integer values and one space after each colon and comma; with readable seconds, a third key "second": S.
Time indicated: {"hour": 3, "minute": 21}
